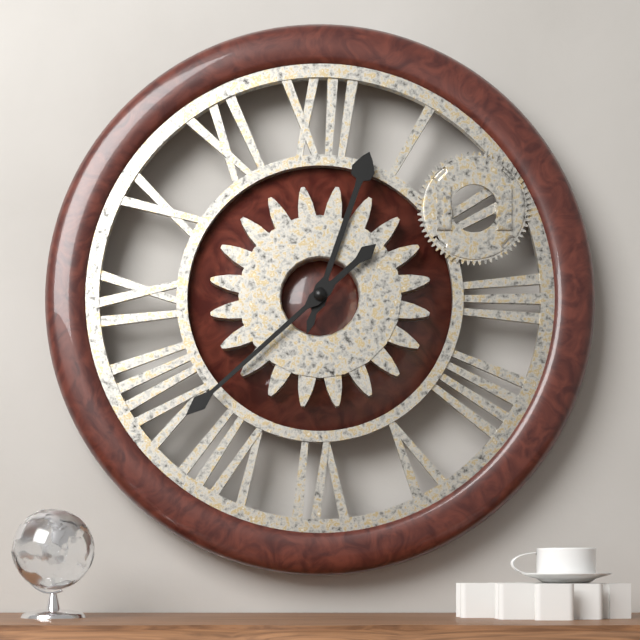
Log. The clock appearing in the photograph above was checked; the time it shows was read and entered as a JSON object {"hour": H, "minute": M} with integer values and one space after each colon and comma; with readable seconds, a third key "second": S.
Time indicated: {"hour": 12, "minute": 38}
